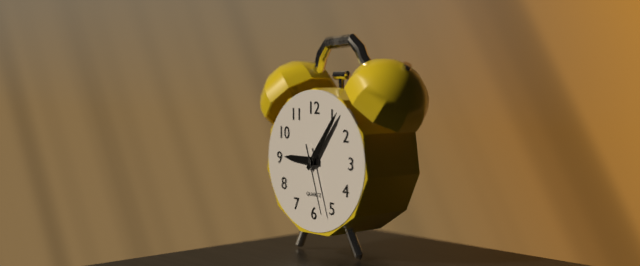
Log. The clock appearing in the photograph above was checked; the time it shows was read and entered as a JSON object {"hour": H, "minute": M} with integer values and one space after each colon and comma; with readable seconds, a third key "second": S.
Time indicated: {"hour": 9, "minute": 6, "second": 27}
